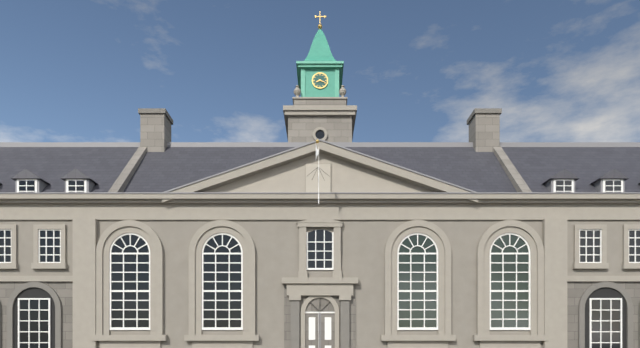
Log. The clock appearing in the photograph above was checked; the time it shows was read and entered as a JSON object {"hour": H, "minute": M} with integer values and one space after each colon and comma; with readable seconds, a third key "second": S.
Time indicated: {"hour": 8, "minute": 19}
